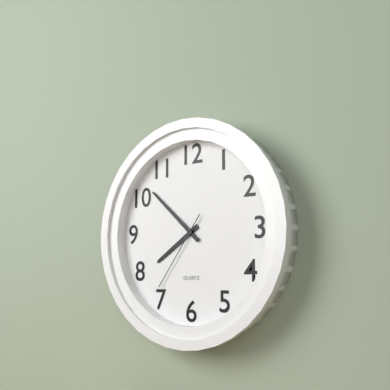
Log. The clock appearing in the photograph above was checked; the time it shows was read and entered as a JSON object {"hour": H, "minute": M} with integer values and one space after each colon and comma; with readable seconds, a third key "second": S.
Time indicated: {"hour": 7, "minute": 52, "second": 36}
